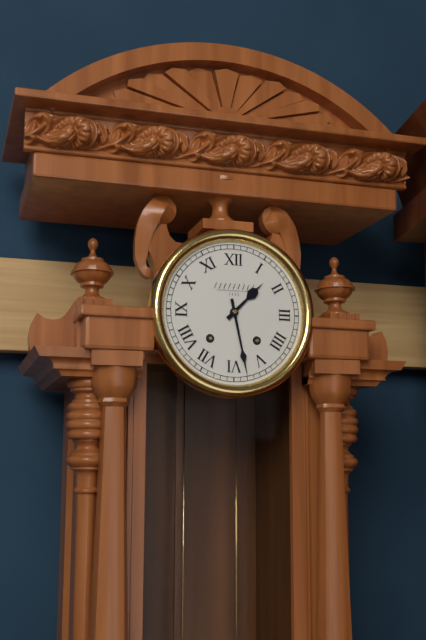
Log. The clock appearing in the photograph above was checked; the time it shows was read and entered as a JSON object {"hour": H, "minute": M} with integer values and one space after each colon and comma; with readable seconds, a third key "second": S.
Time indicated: {"hour": 1, "minute": 28}
